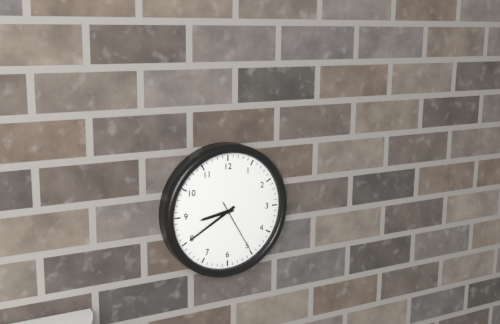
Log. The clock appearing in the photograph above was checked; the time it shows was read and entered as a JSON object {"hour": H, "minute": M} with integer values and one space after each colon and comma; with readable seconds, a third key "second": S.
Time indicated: {"hour": 8, "minute": 40, "second": 25}
